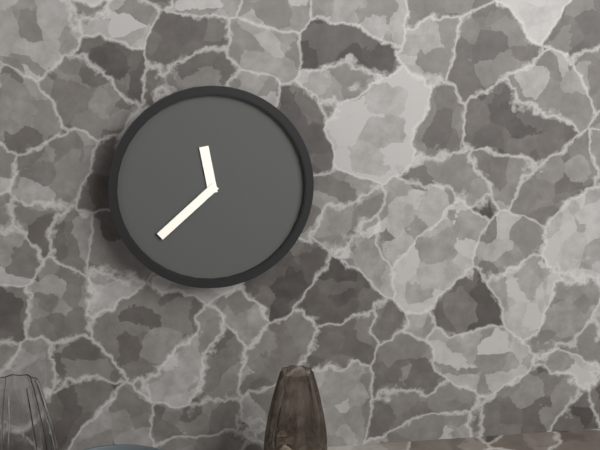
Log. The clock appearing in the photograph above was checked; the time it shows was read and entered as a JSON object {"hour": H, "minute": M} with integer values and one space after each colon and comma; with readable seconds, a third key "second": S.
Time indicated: {"hour": 11, "minute": 38}
